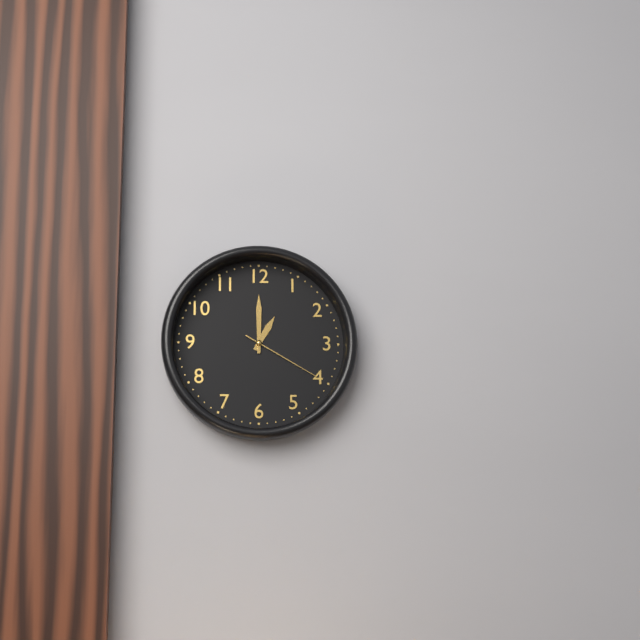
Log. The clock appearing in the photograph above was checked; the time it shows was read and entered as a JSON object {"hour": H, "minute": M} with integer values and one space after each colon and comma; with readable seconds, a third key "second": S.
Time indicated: {"hour": 1, "minute": 0, "second": 20}
